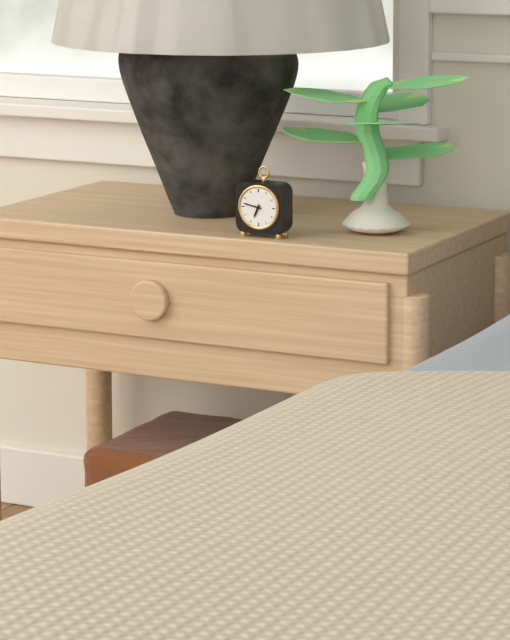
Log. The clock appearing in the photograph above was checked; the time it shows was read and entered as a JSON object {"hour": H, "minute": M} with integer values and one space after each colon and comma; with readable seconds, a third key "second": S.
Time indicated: {"hour": 6, "minute": 47}
